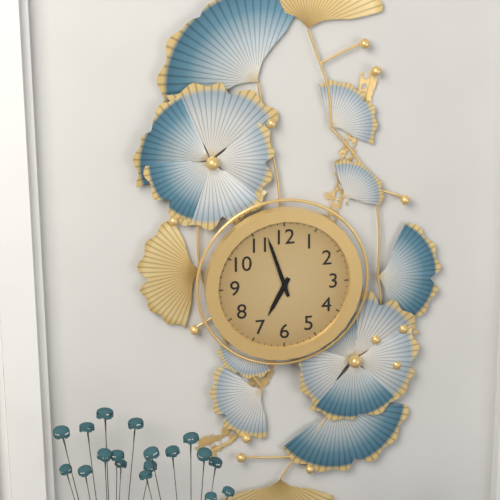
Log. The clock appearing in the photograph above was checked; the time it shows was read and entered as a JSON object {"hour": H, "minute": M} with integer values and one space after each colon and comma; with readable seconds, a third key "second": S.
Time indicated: {"hour": 6, "minute": 57}
